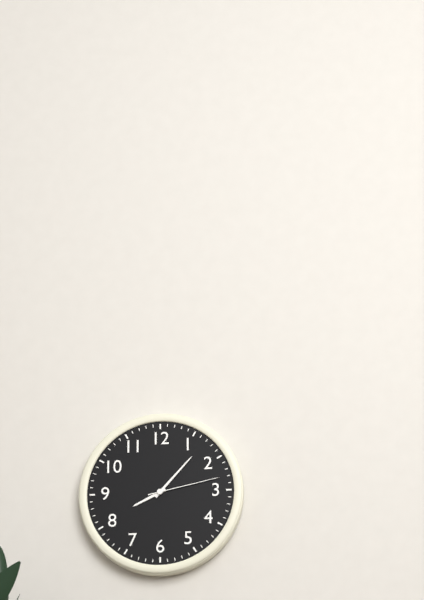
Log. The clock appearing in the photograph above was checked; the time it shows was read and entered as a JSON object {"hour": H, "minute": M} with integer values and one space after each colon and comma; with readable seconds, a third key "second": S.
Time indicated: {"hour": 8, "minute": 7, "second": 13}
